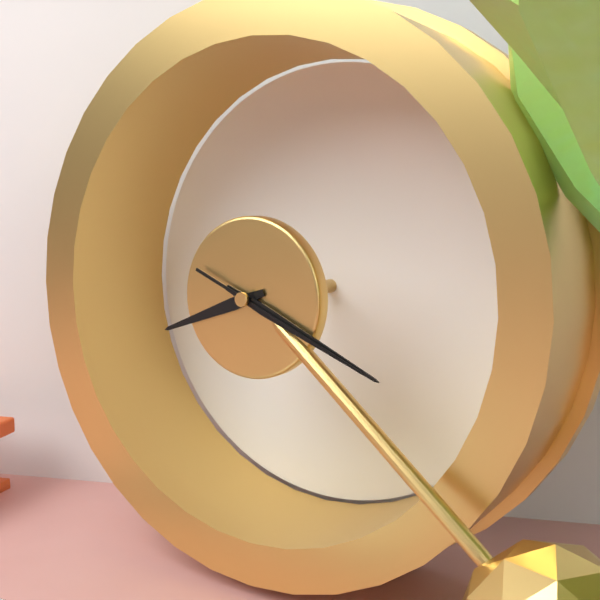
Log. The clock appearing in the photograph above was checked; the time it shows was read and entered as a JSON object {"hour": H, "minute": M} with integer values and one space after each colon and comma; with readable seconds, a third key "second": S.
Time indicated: {"hour": 8, "minute": 19, "second": 19}
